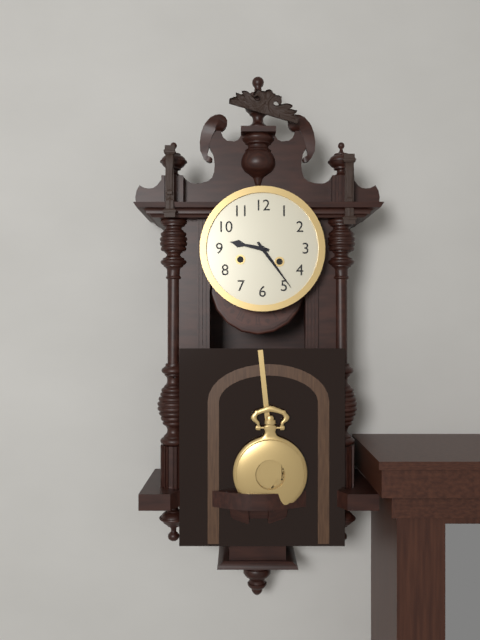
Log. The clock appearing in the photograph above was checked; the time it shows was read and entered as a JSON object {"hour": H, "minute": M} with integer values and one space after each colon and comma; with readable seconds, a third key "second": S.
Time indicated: {"hour": 9, "minute": 24}
